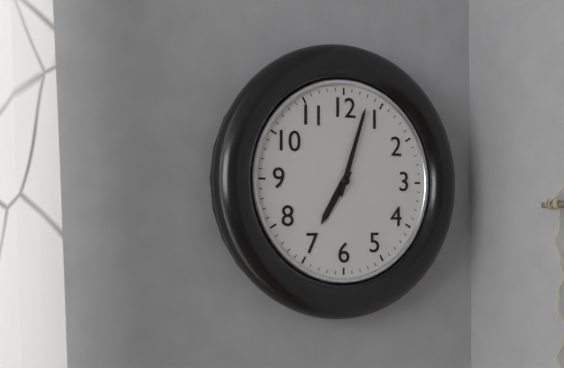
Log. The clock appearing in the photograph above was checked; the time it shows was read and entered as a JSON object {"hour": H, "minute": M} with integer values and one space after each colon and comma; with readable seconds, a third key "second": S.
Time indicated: {"hour": 7, "minute": 3}
